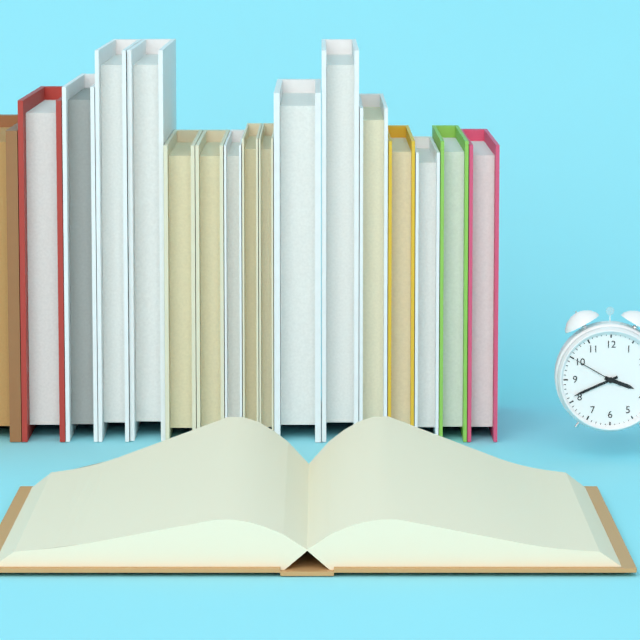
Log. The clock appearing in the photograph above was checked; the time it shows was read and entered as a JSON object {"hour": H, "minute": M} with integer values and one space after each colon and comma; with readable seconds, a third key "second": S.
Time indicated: {"hour": 3, "minute": 41, "second": 50}
